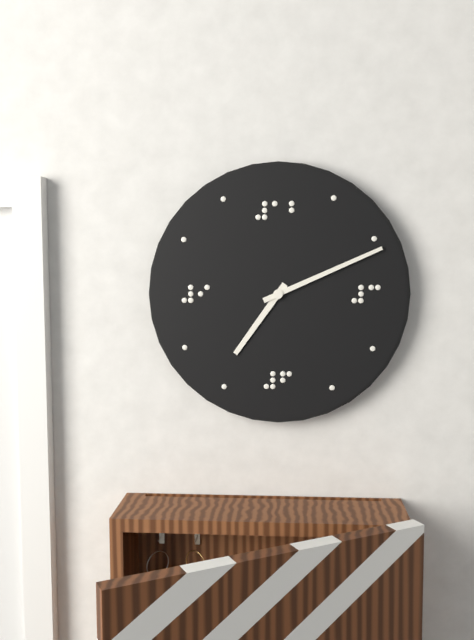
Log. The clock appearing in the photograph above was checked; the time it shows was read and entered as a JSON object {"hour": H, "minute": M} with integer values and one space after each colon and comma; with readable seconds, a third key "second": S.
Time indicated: {"hour": 7, "minute": 11}
